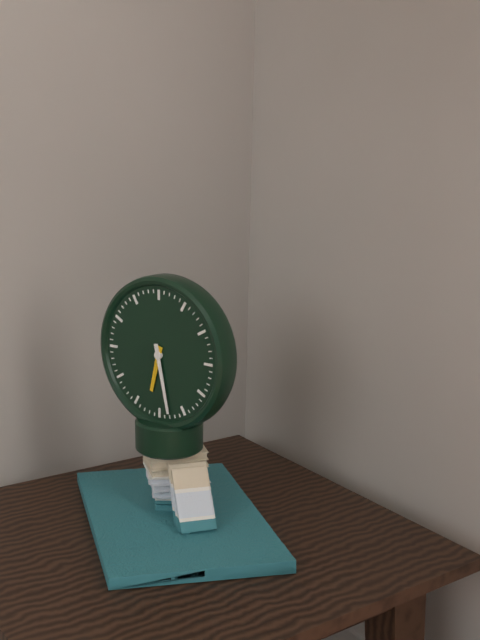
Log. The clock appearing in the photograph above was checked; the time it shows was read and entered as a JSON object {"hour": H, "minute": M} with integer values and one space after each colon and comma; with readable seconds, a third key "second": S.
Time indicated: {"hour": 6, "minute": 28}
